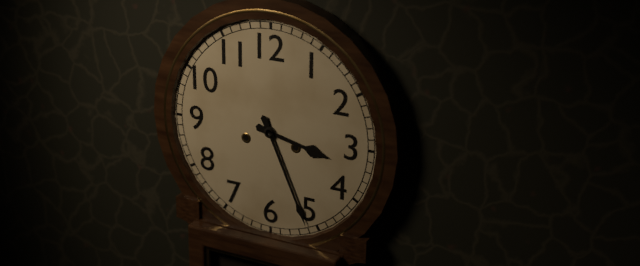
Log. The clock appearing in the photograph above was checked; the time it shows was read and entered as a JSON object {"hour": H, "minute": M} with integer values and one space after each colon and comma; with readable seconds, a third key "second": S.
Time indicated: {"hour": 3, "minute": 26}
